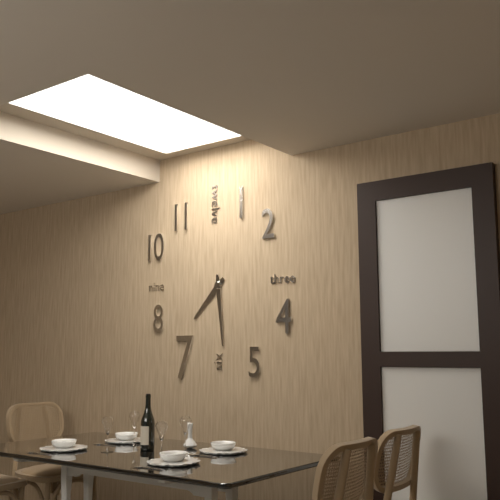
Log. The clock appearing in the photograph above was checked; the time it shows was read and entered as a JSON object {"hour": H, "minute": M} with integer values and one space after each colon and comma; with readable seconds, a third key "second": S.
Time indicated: {"hour": 7, "minute": 29}
